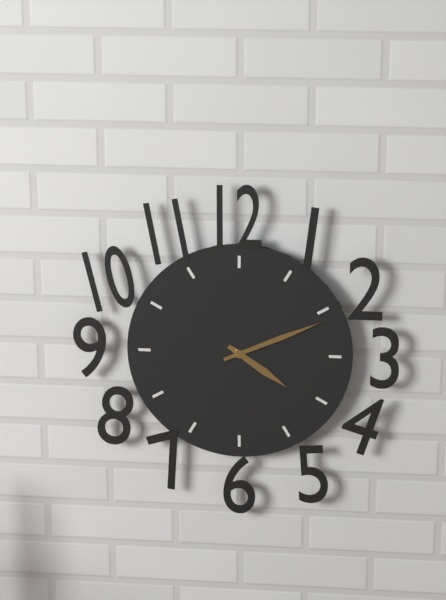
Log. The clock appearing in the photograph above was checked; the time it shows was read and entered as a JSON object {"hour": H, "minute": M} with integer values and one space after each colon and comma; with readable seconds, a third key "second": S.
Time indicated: {"hour": 4, "minute": 11}
